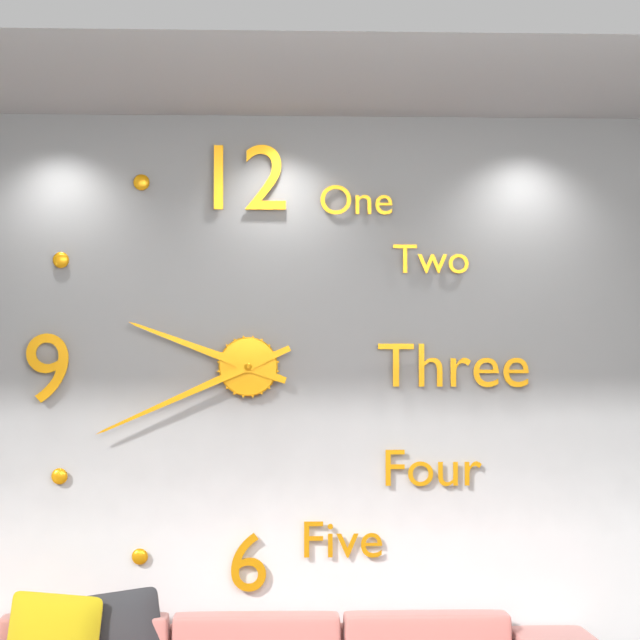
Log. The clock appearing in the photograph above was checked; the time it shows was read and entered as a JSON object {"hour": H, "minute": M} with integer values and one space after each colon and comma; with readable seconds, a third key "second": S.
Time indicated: {"hour": 9, "minute": 41}
